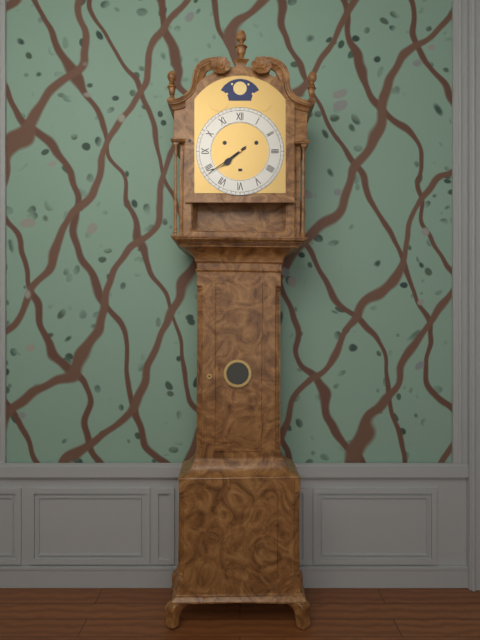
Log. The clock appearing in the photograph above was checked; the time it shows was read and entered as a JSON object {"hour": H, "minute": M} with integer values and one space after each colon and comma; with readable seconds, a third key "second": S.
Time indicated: {"hour": 7, "minute": 39}
